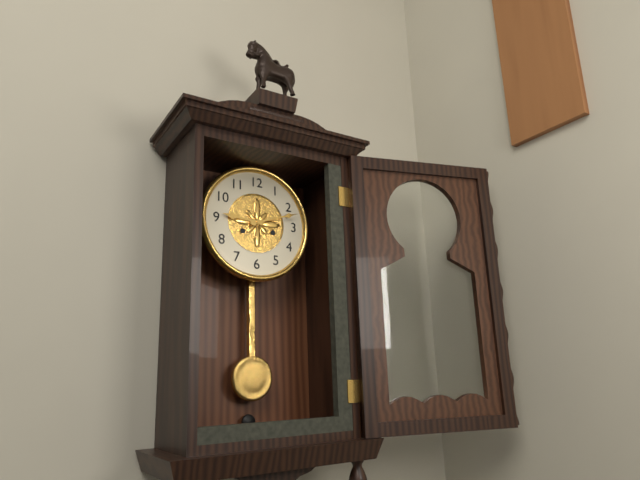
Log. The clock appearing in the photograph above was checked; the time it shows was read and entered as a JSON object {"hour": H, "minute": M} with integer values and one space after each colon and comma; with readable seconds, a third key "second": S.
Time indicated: {"hour": 9, "minute": 12}
